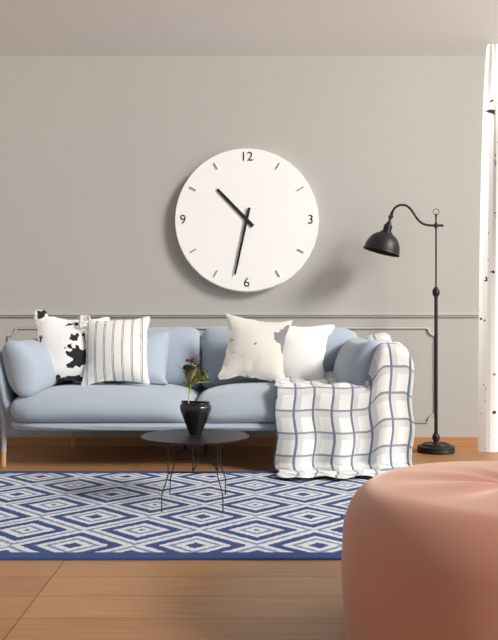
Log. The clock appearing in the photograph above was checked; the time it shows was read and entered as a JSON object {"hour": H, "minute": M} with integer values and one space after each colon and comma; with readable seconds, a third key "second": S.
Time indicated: {"hour": 10, "minute": 32}
